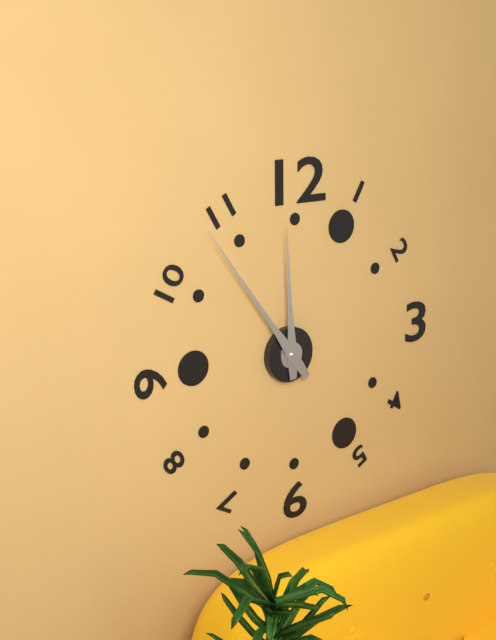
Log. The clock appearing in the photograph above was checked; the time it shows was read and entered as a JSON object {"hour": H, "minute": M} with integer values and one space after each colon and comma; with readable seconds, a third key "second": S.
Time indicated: {"hour": 11, "minute": 54}
